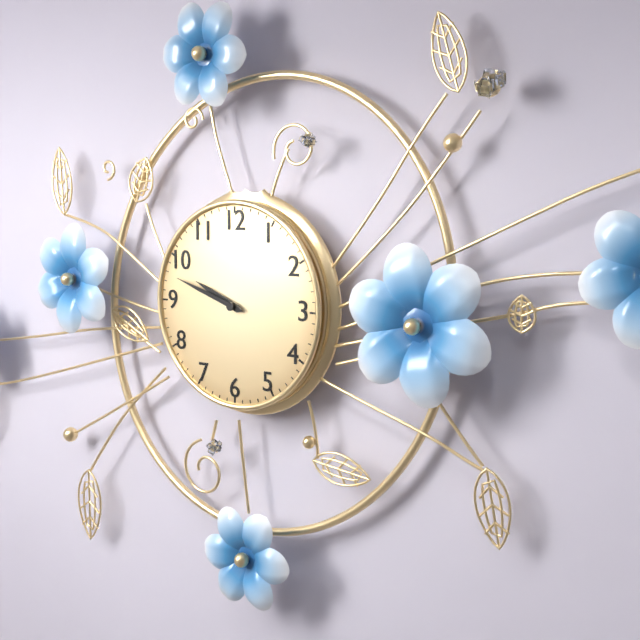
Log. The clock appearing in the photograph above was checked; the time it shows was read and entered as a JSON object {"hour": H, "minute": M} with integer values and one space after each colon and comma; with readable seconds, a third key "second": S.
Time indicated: {"hour": 9, "minute": 48}
